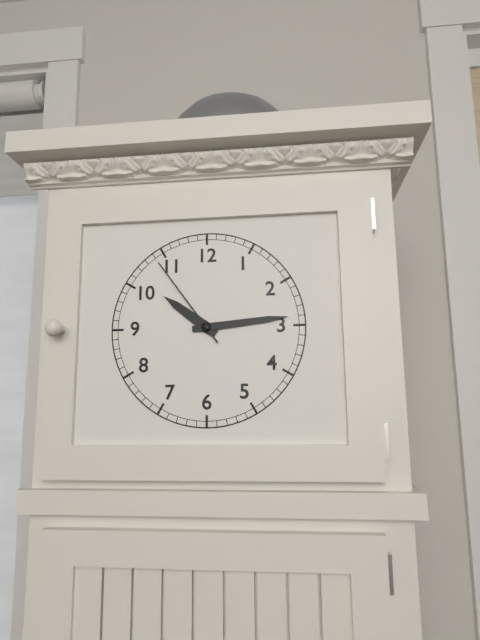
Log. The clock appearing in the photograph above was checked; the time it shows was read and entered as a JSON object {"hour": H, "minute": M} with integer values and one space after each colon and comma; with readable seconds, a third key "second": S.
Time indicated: {"hour": 10, "minute": 14, "second": 54}
